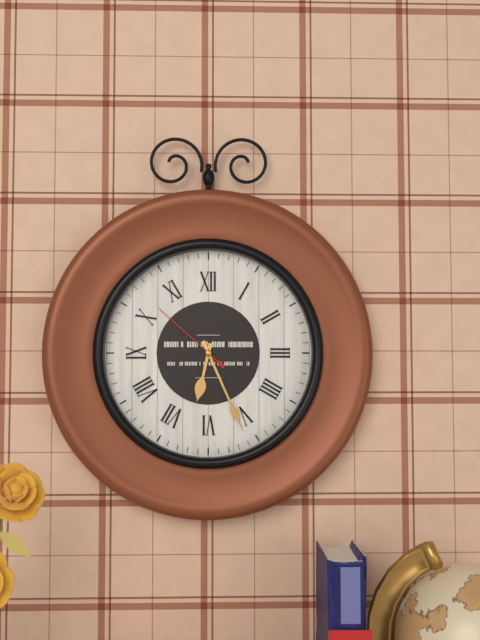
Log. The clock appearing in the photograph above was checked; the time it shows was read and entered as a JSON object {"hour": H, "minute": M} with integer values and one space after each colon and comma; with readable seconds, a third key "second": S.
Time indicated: {"hour": 6, "minute": 26, "second": 52}
